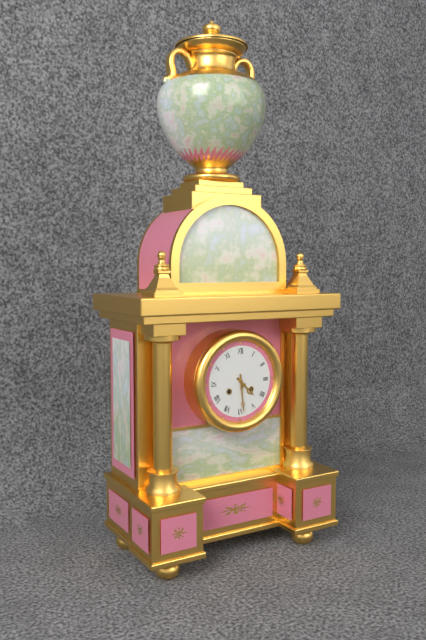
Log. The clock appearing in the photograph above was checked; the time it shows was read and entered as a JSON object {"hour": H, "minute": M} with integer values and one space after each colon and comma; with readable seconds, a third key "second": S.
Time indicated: {"hour": 4, "minute": 29}
